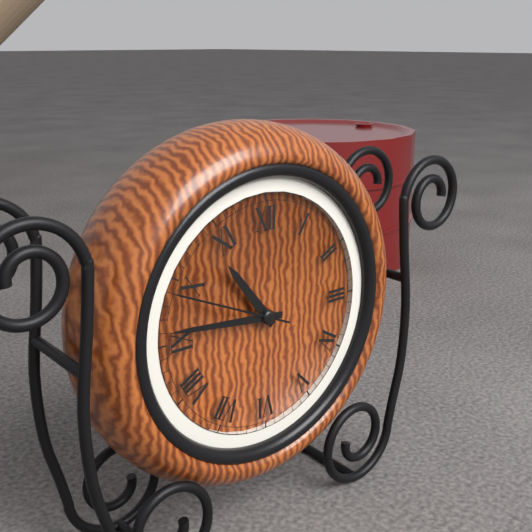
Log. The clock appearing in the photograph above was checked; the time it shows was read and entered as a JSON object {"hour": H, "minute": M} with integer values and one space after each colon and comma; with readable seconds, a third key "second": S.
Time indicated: {"hour": 10, "minute": 46, "second": 49}
